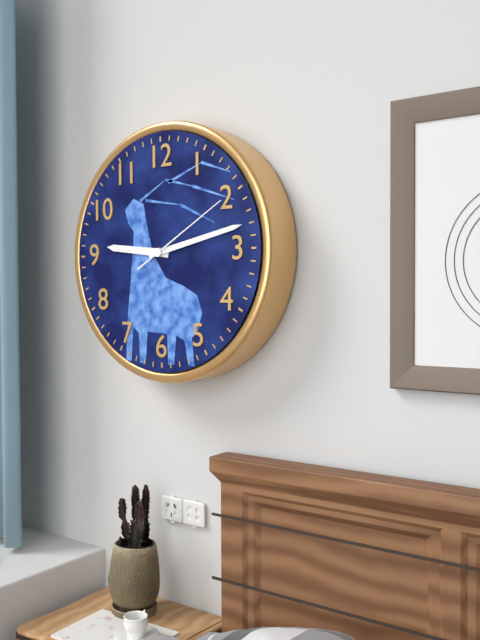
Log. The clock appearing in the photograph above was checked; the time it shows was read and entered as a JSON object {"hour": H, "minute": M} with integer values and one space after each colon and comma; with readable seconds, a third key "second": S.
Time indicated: {"hour": 9, "minute": 13, "second": 10}
